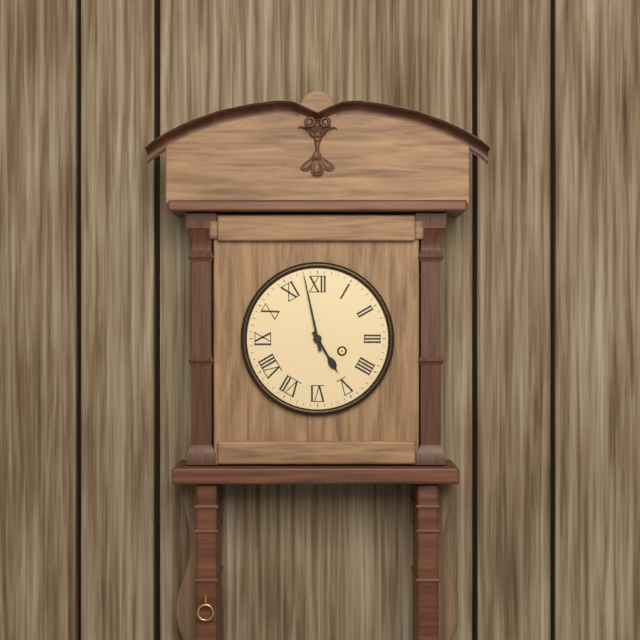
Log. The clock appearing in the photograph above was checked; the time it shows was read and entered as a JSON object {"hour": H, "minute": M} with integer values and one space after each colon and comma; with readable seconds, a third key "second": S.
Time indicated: {"hour": 4, "minute": 58}
